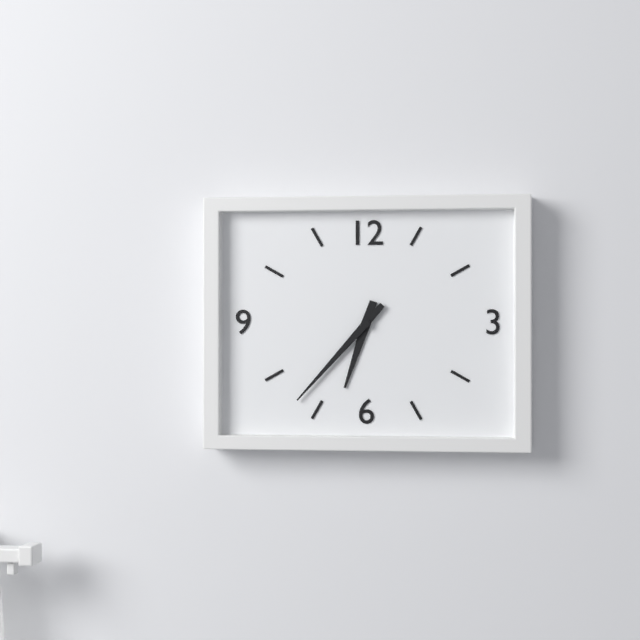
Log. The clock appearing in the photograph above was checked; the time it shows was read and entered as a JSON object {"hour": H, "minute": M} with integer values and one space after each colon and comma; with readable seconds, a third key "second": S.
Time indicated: {"hour": 6, "minute": 37}
